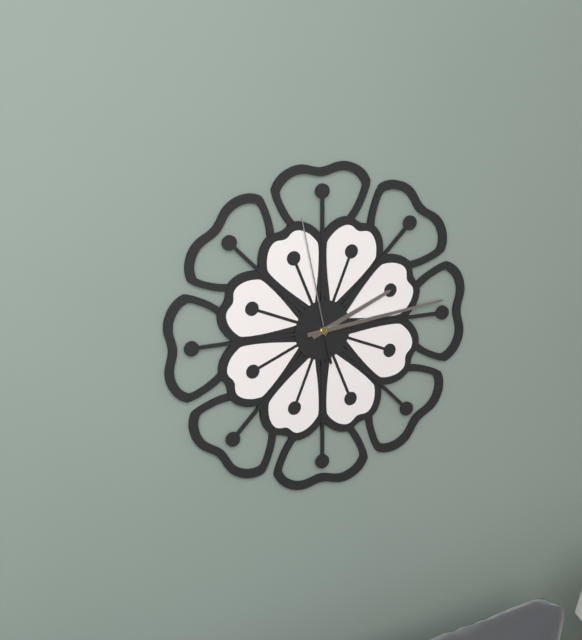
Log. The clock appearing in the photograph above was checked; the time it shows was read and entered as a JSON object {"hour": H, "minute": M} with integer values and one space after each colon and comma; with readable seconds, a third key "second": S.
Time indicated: {"hour": 2, "minute": 14, "second": 58}
